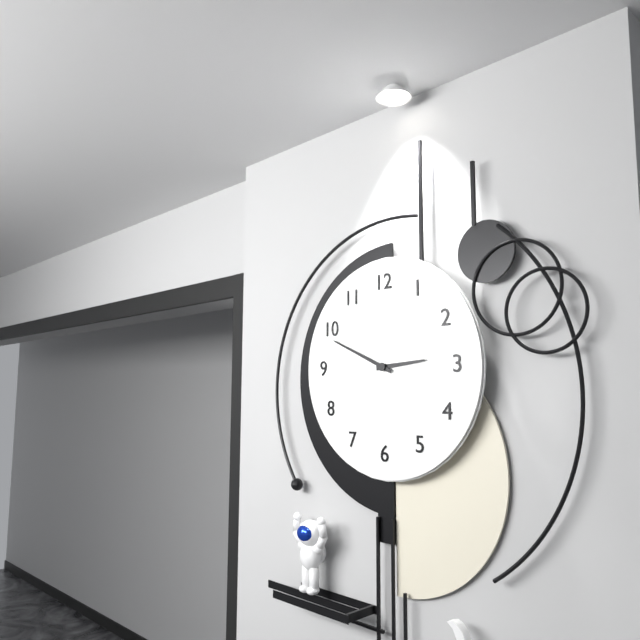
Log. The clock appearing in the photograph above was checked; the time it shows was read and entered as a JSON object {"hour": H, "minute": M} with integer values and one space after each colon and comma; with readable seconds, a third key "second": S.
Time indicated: {"hour": 2, "minute": 49}
